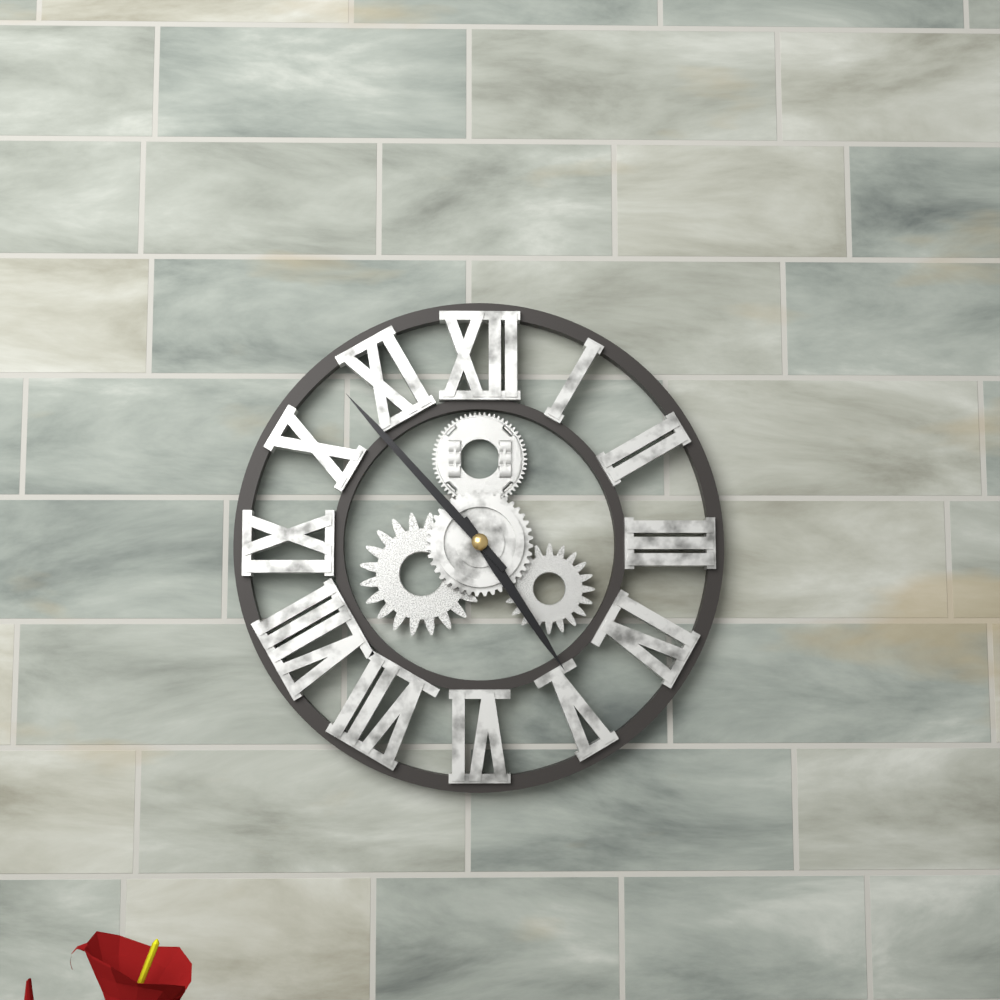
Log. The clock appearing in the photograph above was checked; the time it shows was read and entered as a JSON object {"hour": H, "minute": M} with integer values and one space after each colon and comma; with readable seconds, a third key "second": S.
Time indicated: {"hour": 4, "minute": 53}
